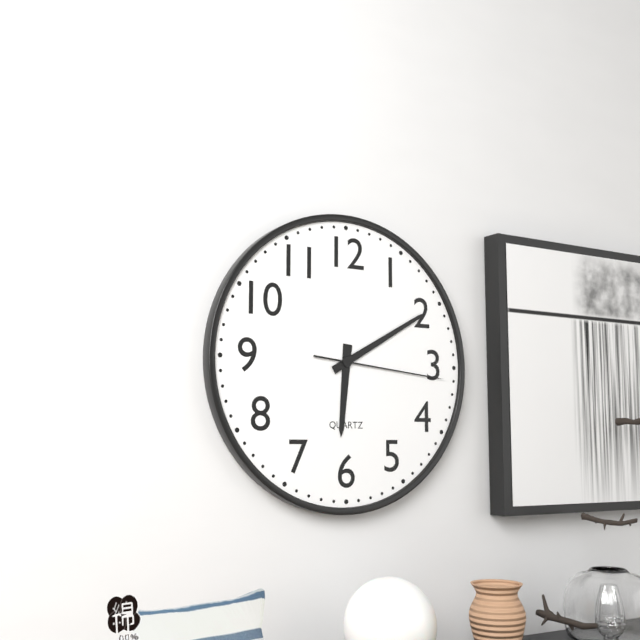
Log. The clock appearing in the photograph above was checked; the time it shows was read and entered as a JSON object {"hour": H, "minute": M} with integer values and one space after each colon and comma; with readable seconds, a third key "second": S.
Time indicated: {"hour": 6, "minute": 10, "second": 16}
